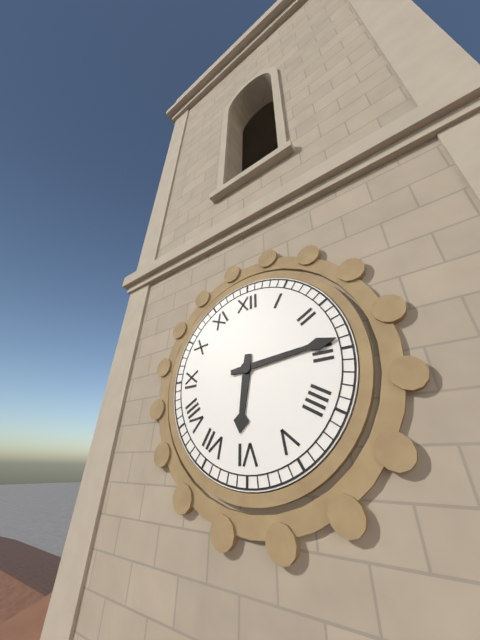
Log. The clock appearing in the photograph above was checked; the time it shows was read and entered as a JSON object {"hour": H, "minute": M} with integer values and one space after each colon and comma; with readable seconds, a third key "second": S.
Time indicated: {"hour": 6, "minute": 14}
